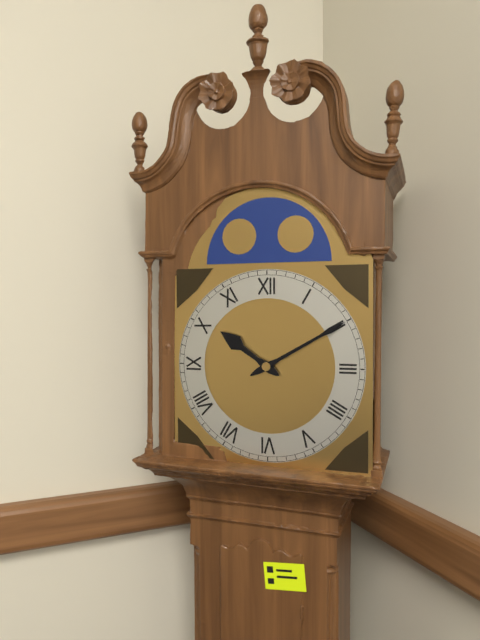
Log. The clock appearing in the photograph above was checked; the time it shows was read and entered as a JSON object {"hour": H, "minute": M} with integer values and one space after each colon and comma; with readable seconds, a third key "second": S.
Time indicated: {"hour": 10, "minute": 10}
